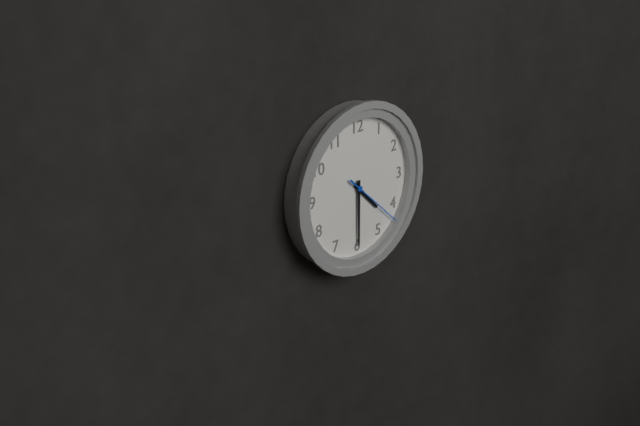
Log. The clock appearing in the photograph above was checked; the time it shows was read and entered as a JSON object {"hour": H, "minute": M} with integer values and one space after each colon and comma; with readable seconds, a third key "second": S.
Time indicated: {"hour": 4, "minute": 30, "second": 22}
